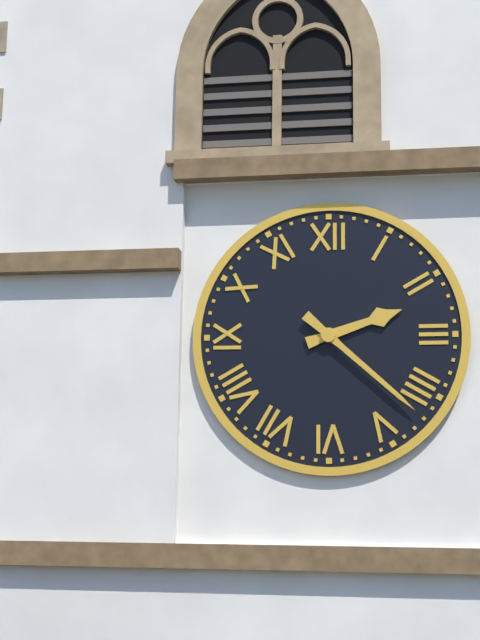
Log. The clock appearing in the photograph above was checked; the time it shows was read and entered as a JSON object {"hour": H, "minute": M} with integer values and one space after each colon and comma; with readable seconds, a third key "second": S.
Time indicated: {"hour": 2, "minute": 22}
